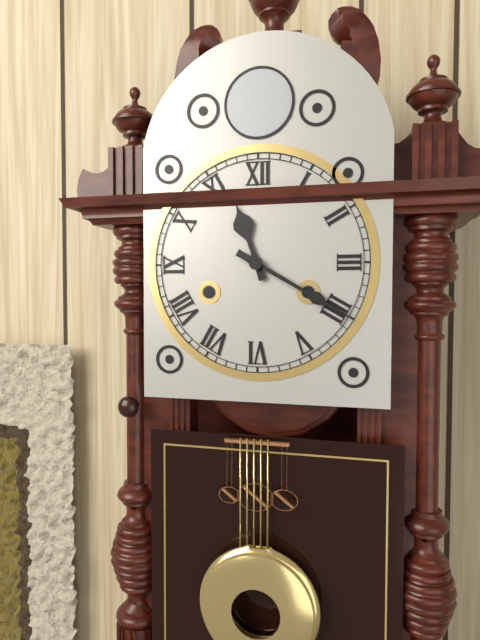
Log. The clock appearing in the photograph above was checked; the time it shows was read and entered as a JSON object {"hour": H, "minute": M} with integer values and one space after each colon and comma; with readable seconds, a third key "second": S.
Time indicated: {"hour": 11, "minute": 20}
